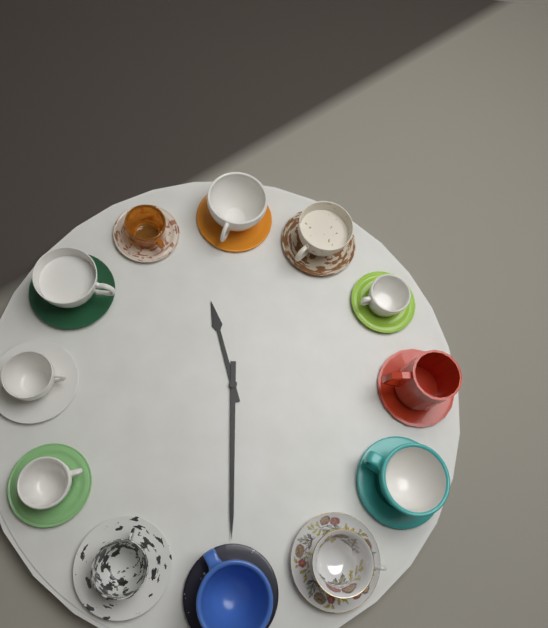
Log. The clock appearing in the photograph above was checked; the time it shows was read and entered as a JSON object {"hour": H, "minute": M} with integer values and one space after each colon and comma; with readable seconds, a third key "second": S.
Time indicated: {"hour": 11, "minute": 30}
